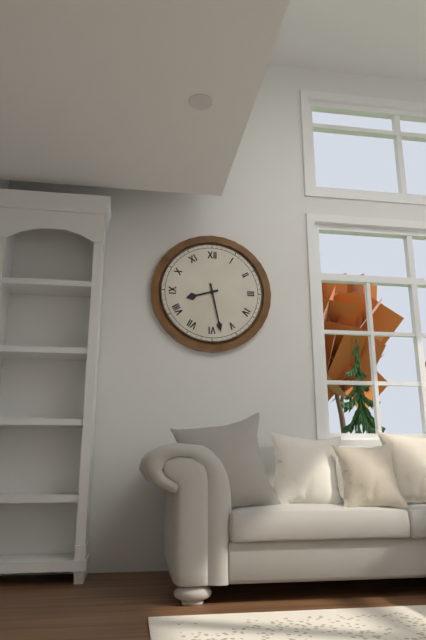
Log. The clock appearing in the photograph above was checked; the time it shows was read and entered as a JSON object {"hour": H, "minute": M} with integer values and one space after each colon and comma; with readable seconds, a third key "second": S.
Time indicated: {"hour": 8, "minute": 28}
